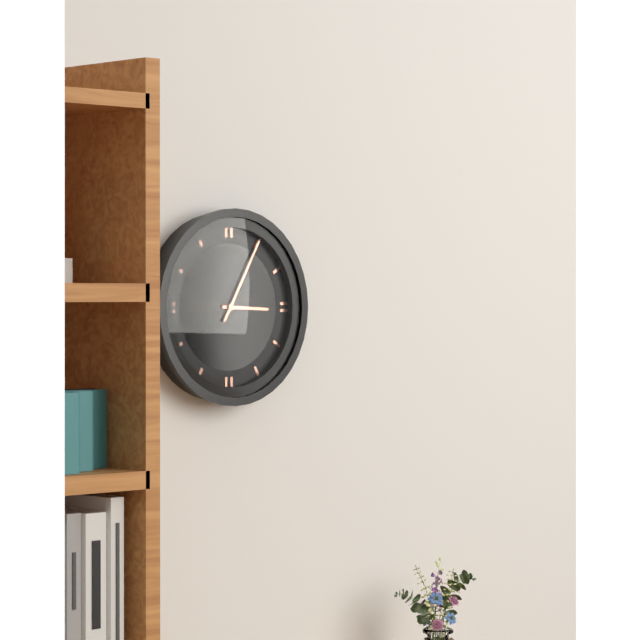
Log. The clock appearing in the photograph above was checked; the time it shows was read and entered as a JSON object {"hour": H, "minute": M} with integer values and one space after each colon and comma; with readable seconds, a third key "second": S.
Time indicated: {"hour": 3, "minute": 5}
